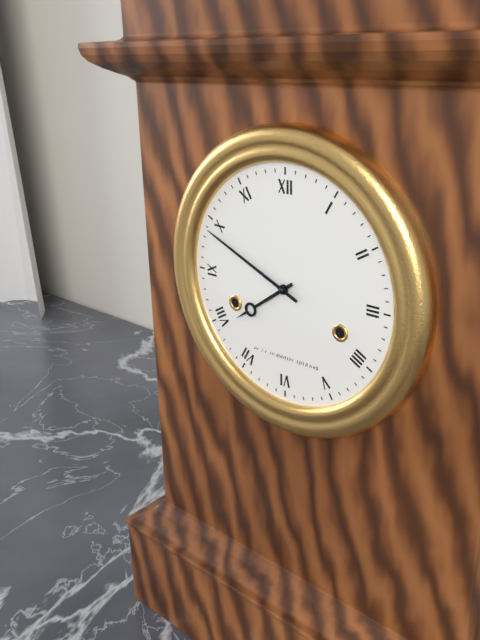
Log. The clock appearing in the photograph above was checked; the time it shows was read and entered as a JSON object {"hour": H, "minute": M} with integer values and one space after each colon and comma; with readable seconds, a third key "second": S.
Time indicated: {"hour": 7, "minute": 49}
